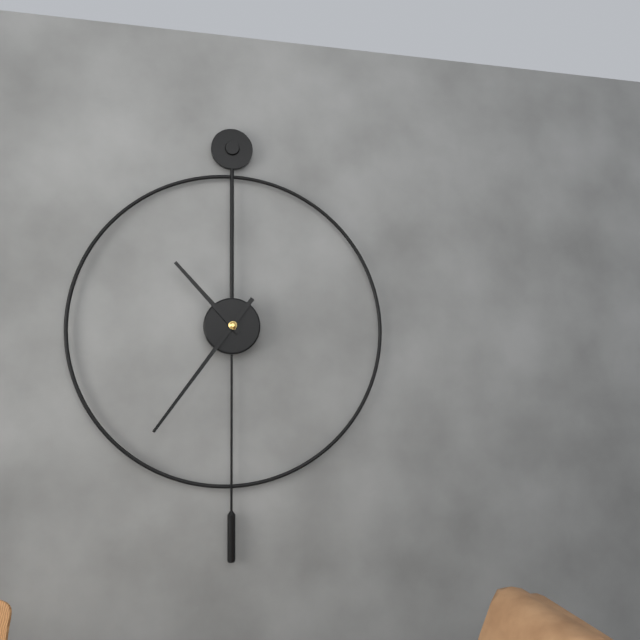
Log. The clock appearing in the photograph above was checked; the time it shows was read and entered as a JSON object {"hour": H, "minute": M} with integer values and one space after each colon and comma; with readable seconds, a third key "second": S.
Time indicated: {"hour": 10, "minute": 36}
